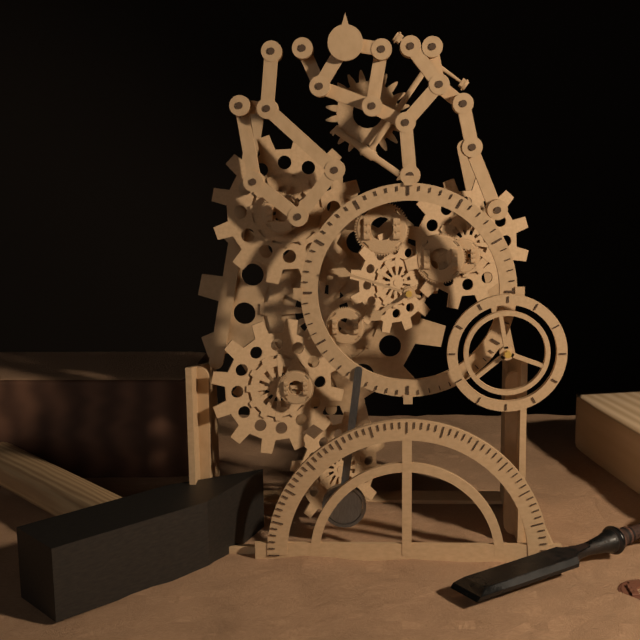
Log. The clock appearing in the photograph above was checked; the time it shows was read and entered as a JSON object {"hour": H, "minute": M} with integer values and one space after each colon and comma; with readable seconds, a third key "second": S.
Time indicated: {"hour": 7, "minute": 48}
